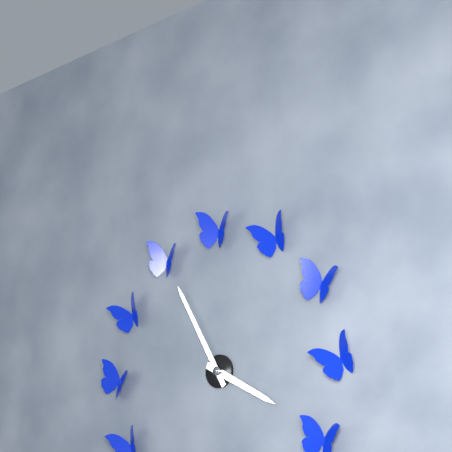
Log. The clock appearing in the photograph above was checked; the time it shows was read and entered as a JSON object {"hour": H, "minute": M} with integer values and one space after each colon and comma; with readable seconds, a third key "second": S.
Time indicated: {"hour": 3, "minute": 55}
